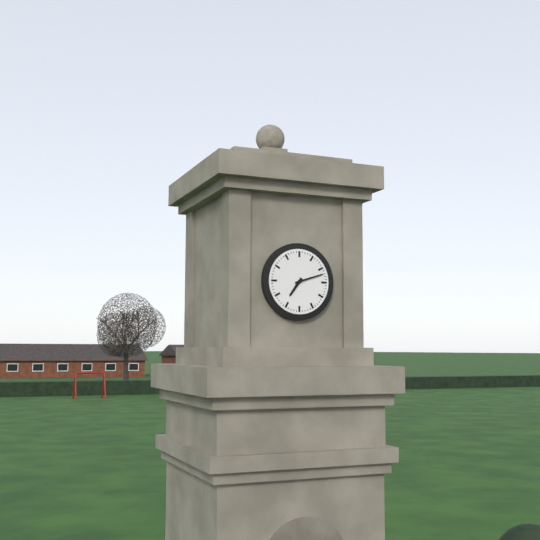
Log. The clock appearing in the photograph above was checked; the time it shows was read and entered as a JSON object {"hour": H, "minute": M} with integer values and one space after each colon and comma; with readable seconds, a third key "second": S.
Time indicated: {"hour": 7, "minute": 12}
